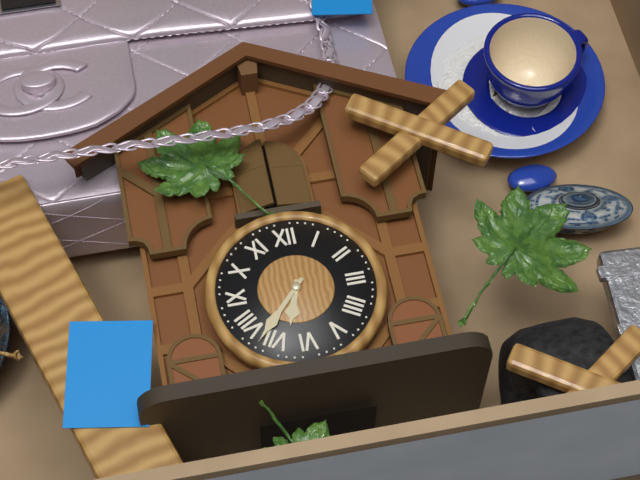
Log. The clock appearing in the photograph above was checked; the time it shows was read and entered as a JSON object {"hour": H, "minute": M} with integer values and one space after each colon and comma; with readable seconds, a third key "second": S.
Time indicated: {"hour": 6, "minute": 37}
